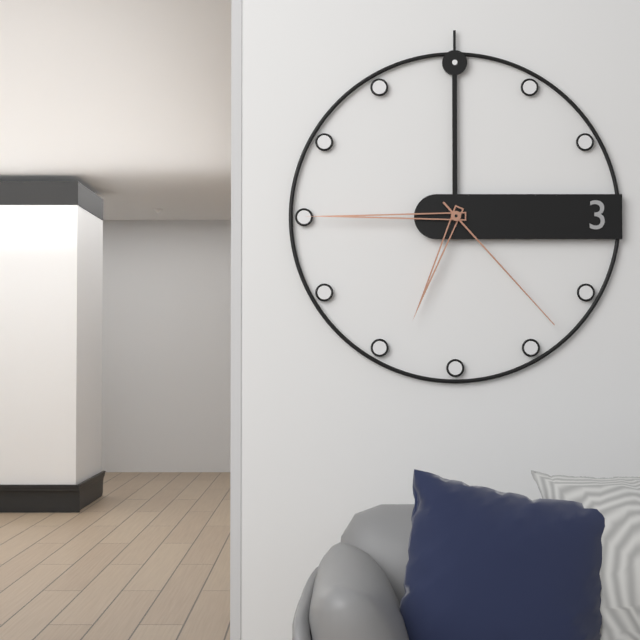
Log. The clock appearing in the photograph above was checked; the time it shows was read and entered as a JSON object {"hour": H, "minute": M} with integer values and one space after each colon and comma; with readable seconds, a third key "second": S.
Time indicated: {"hour": 6, "minute": 45, "second": 23}
